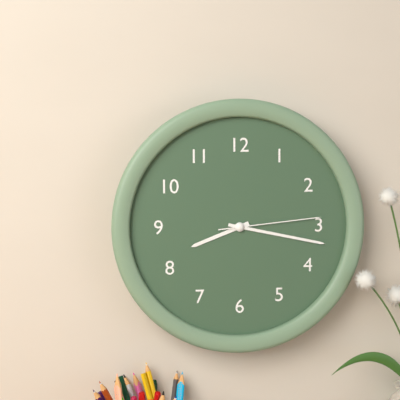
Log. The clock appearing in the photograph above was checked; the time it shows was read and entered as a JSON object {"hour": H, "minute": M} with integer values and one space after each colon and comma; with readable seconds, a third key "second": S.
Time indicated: {"hour": 8, "minute": 17, "second": 14}
